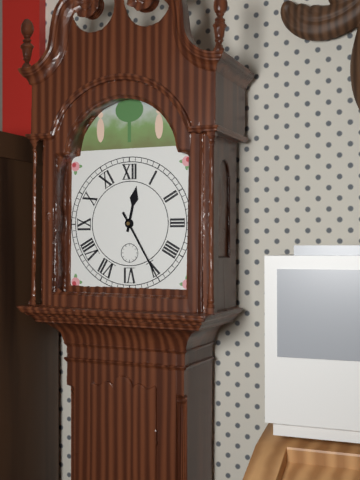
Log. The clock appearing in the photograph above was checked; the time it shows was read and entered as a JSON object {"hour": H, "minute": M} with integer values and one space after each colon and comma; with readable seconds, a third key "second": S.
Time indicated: {"hour": 12, "minute": 25}
